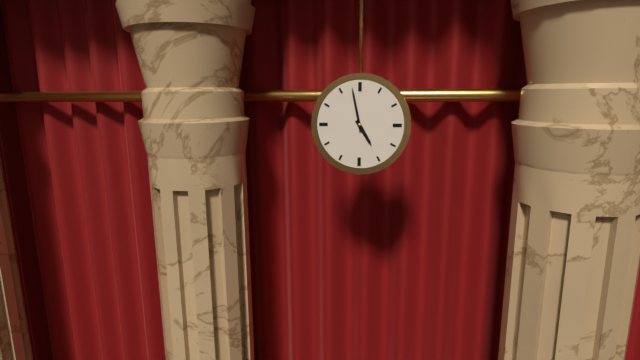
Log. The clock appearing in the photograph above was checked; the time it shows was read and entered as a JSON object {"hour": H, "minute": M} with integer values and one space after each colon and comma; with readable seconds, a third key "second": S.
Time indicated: {"hour": 4, "minute": 58}
